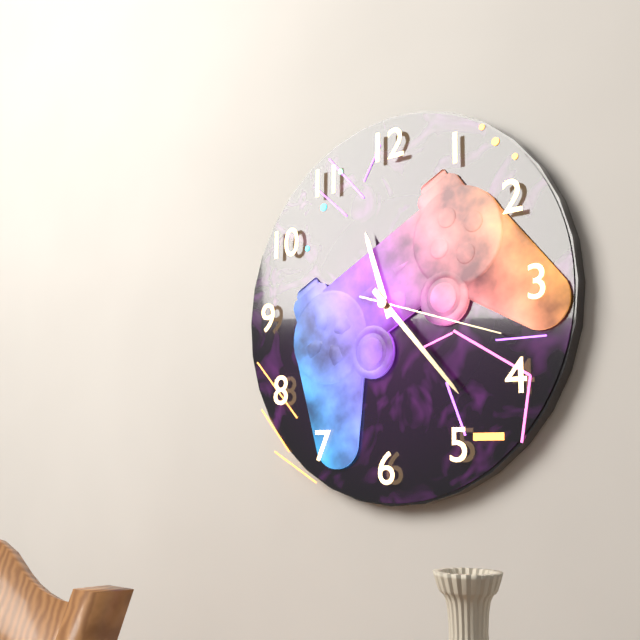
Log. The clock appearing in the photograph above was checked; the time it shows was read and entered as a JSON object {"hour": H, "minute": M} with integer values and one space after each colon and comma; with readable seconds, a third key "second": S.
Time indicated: {"hour": 11, "minute": 23, "second": 18}
